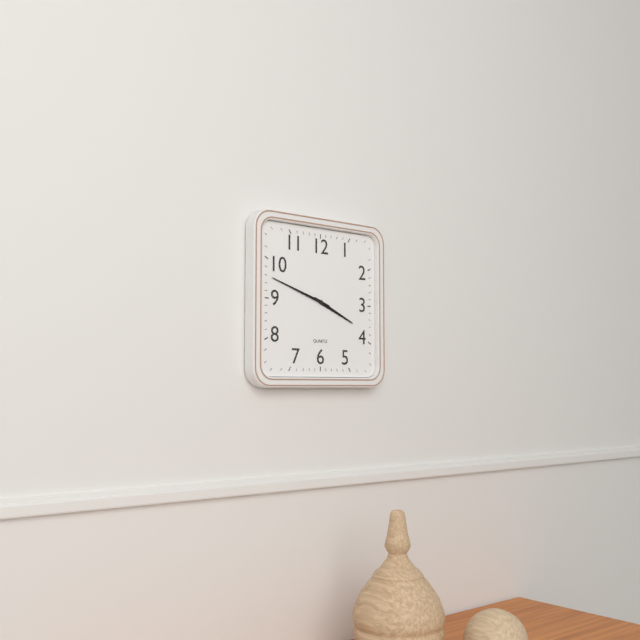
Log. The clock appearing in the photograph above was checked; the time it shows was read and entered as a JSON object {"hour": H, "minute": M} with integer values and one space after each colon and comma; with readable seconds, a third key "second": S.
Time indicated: {"hour": 3, "minute": 48}
